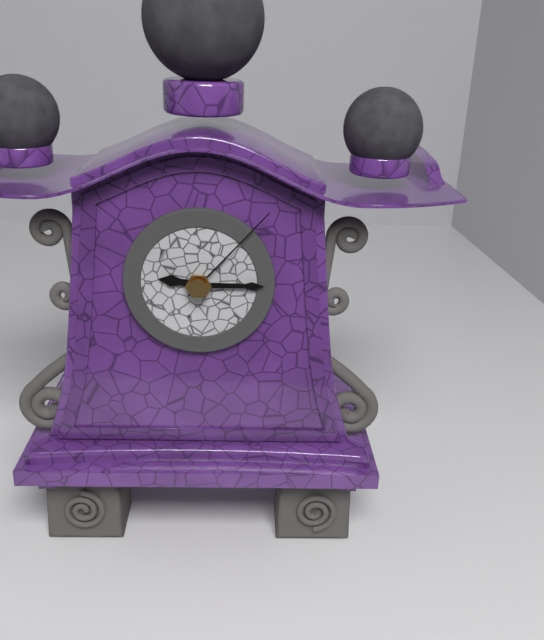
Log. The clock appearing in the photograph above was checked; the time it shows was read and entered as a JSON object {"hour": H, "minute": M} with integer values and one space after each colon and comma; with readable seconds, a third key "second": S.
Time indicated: {"hour": 9, "minute": 15, "second": 7}
